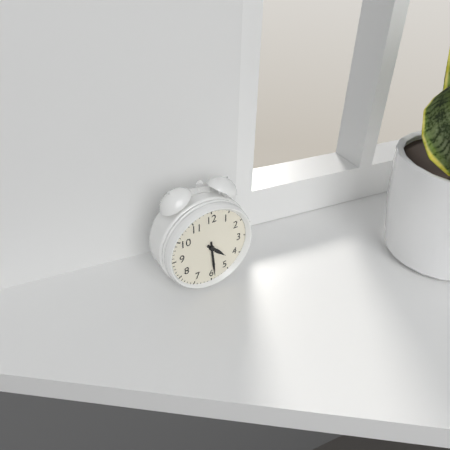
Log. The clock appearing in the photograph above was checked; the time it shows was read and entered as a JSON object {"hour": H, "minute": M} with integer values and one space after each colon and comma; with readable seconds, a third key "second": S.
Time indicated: {"hour": 4, "minute": 29}
